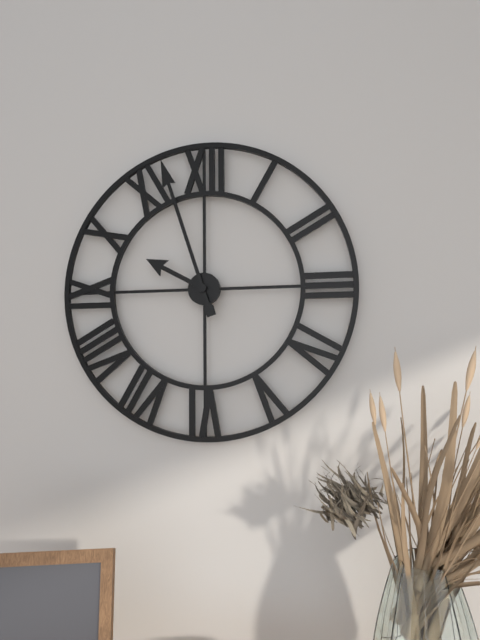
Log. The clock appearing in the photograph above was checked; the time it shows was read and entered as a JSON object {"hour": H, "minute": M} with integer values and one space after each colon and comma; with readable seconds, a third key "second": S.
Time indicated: {"hour": 9, "minute": 57}
